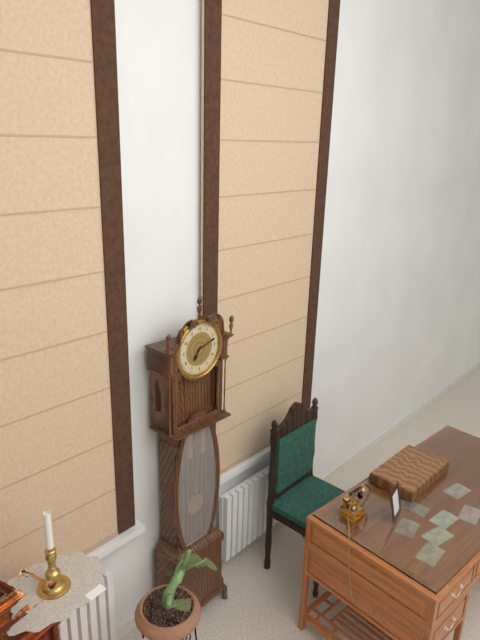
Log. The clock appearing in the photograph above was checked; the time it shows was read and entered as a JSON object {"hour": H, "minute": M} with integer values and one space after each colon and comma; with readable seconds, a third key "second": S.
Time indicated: {"hour": 7, "minute": 12}
